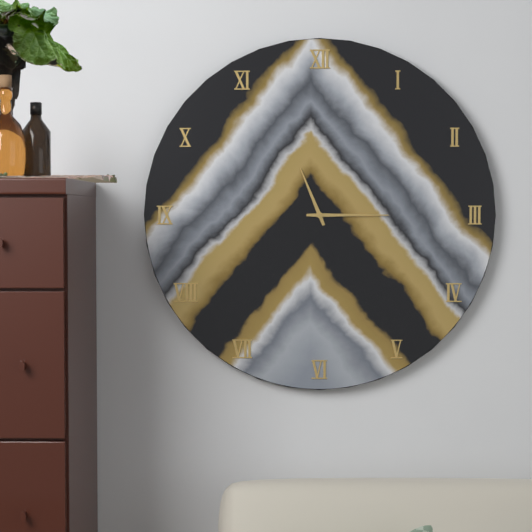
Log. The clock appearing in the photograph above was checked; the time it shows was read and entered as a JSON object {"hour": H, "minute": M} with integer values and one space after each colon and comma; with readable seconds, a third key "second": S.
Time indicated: {"hour": 11, "minute": 15}
